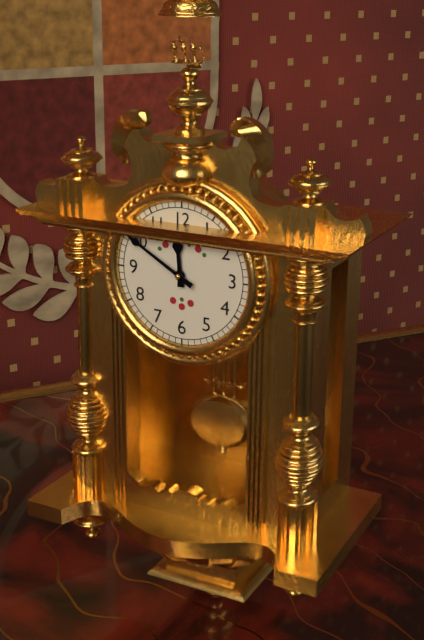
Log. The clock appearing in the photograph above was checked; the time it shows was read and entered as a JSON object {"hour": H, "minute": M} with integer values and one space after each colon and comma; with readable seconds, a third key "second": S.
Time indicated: {"hour": 11, "minute": 50}
